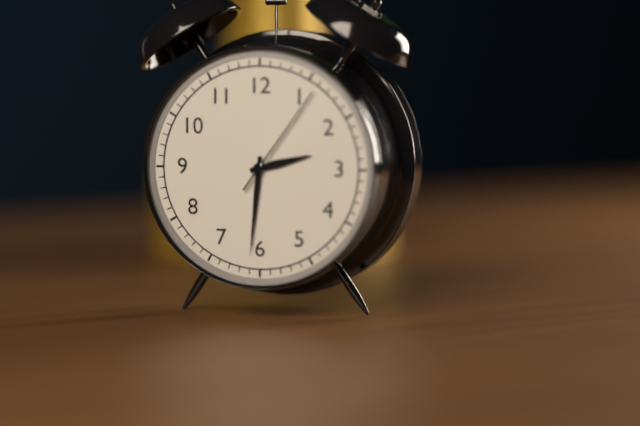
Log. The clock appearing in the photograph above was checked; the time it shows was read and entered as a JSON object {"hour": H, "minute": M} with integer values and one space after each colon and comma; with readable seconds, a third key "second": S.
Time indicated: {"hour": 2, "minute": 31, "second": 6}
